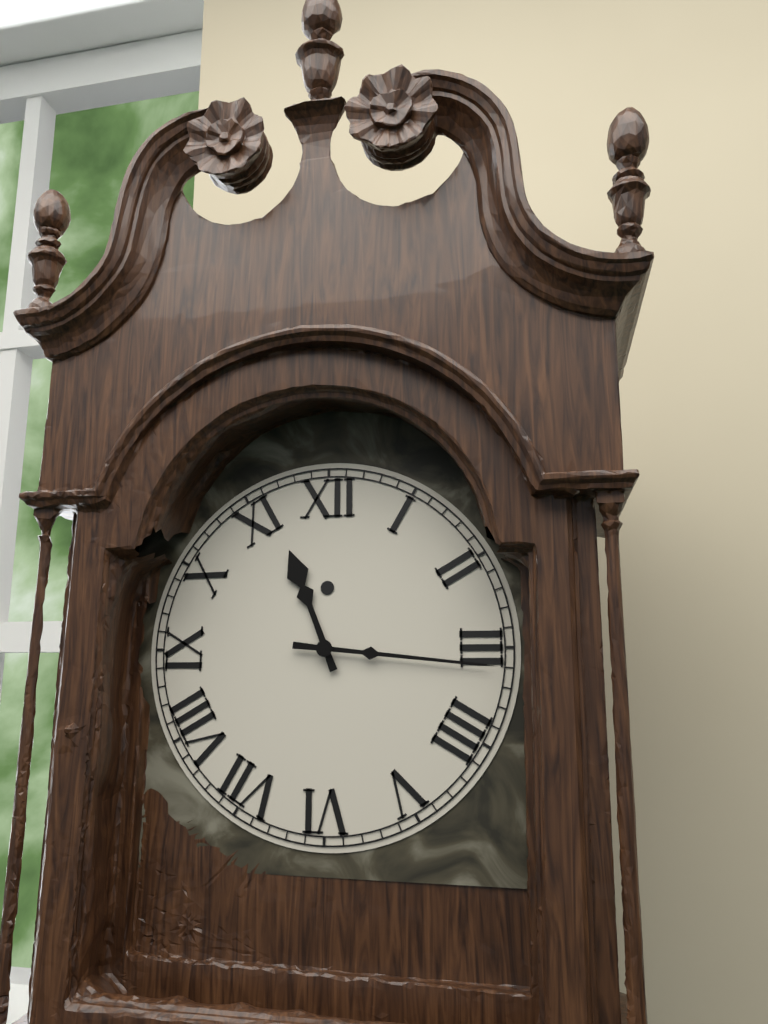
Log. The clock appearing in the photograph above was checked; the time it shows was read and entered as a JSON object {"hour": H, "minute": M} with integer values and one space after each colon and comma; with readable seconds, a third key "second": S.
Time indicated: {"hour": 11, "minute": 16}
